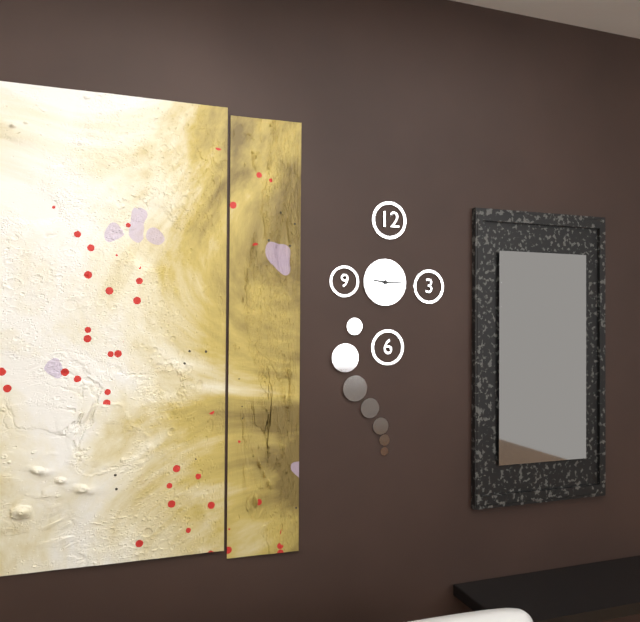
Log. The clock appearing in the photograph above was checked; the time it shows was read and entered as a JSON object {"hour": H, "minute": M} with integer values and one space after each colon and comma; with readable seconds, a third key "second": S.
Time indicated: {"hour": 9, "minute": 15}
